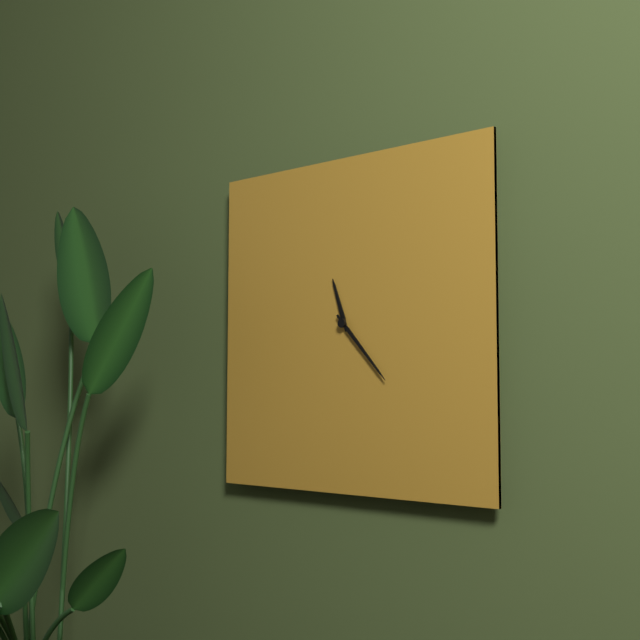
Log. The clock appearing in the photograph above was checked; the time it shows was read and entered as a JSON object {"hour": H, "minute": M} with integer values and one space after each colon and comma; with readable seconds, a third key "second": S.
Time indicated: {"hour": 11, "minute": 23}
